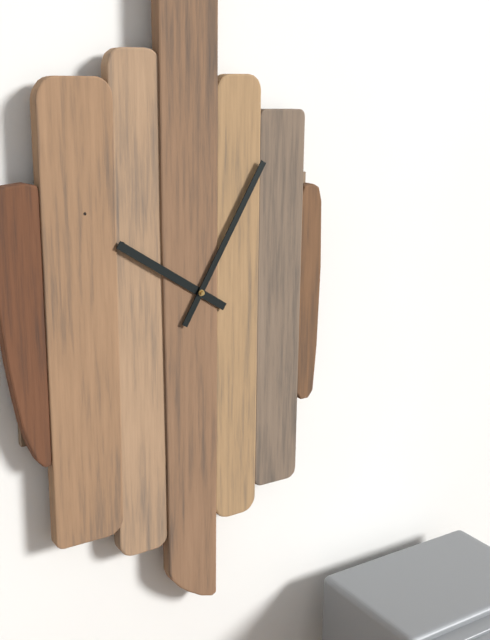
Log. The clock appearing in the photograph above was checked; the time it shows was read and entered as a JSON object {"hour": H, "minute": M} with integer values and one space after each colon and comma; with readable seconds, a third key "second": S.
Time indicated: {"hour": 10, "minute": 5}
